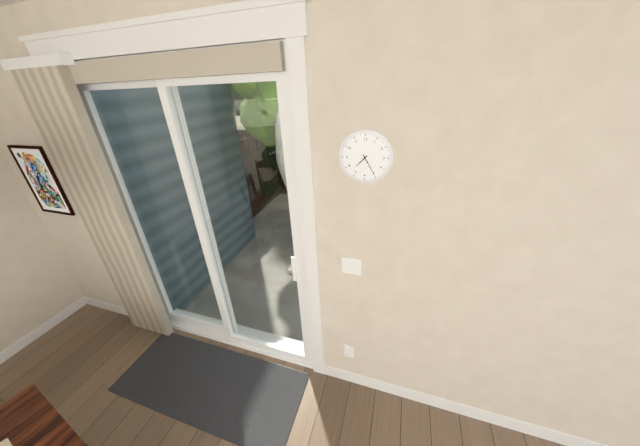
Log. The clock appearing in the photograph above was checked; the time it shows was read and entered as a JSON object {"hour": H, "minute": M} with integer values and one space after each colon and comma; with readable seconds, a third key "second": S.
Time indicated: {"hour": 7, "minute": 25}
